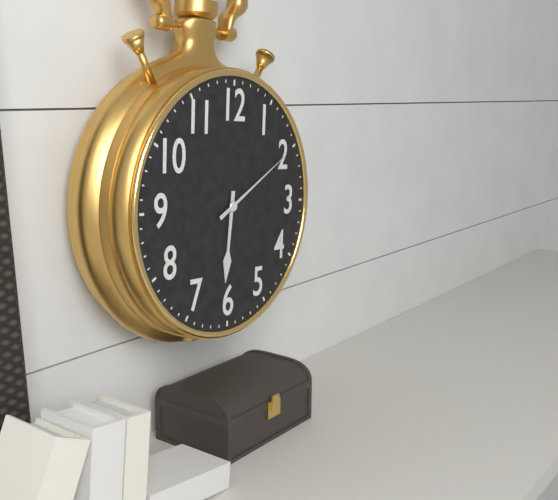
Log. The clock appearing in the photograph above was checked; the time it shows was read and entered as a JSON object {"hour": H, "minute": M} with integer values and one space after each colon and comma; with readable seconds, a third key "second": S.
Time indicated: {"hour": 6, "minute": 10}
